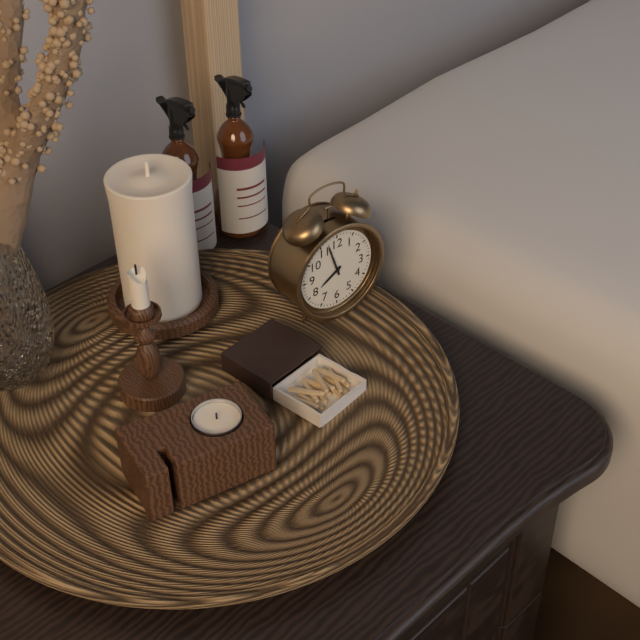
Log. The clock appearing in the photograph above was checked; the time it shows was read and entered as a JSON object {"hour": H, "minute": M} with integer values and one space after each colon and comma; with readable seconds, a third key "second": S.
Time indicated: {"hour": 7, "minute": 57}
